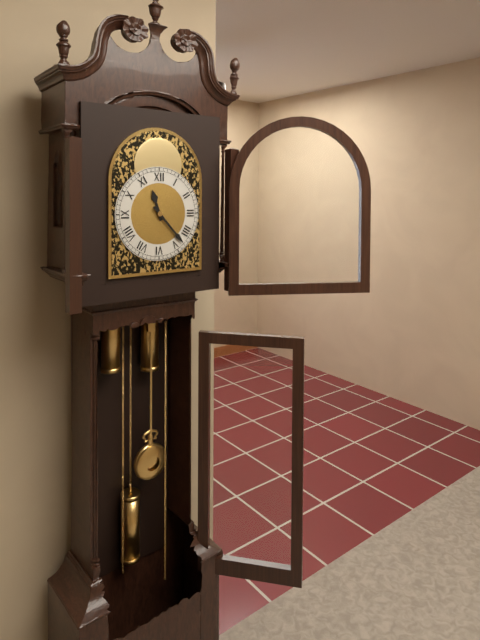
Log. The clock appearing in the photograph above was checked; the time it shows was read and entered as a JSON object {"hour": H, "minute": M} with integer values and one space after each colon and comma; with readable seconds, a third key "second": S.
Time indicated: {"hour": 11, "minute": 23}
